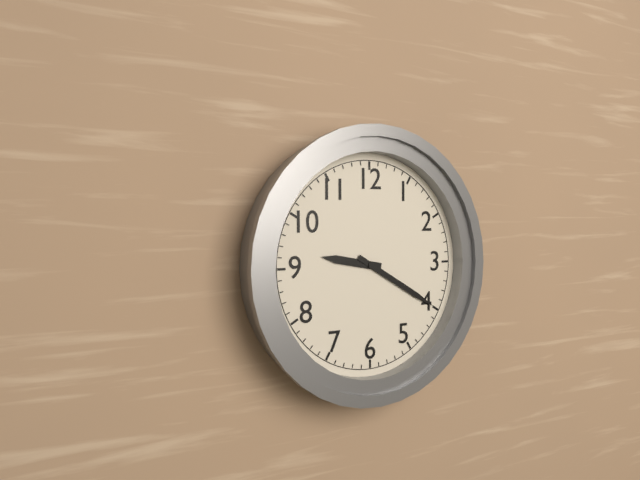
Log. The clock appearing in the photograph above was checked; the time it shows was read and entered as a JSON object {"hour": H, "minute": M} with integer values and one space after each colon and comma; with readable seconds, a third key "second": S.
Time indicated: {"hour": 9, "minute": 20}
